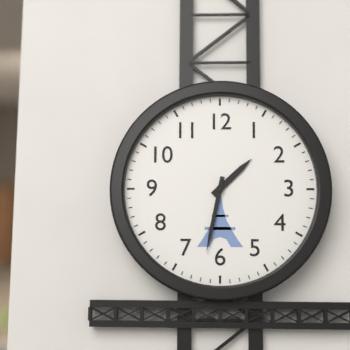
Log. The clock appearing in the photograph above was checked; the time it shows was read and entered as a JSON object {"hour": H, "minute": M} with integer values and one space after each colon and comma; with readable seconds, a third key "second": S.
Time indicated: {"hour": 1, "minute": 32}
